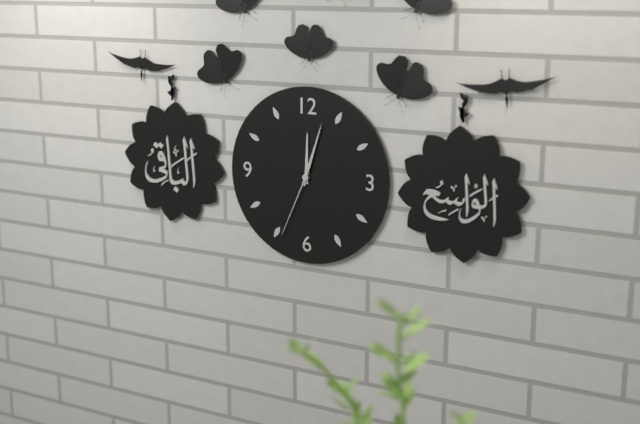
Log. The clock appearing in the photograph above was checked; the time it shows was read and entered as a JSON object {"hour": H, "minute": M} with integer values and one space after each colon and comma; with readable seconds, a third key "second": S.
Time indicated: {"hour": 12, "minute": 3, "second": 34}
